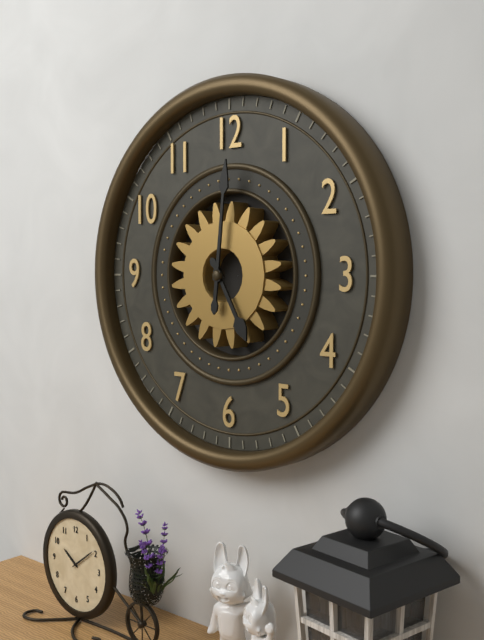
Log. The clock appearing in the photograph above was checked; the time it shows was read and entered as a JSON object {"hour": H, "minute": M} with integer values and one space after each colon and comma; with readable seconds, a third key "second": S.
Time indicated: {"hour": 5, "minute": 1}
